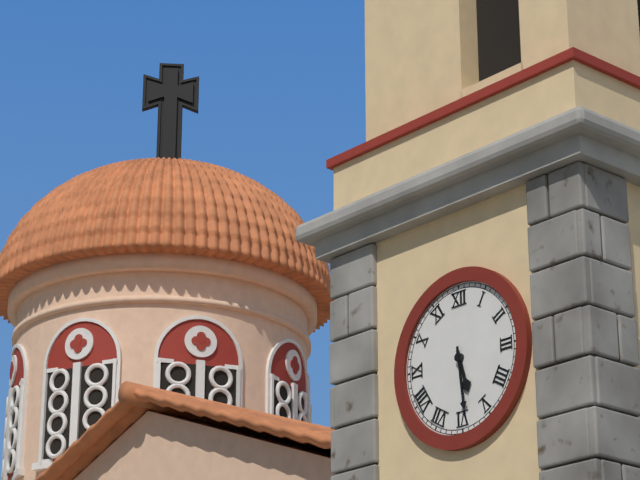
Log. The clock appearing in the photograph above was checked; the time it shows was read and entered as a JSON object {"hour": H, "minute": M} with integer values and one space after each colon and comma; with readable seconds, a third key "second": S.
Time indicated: {"hour": 5, "minute": 29}
